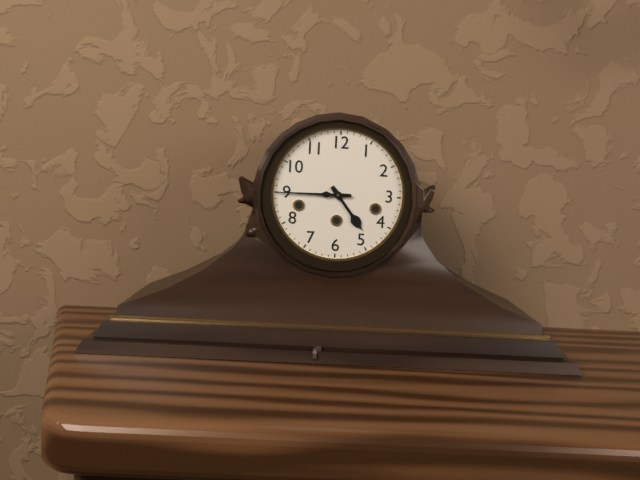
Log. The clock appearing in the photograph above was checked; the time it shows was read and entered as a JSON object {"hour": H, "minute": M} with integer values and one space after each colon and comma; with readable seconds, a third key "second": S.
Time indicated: {"hour": 4, "minute": 45}
